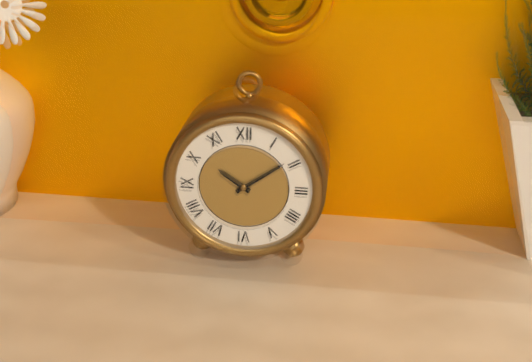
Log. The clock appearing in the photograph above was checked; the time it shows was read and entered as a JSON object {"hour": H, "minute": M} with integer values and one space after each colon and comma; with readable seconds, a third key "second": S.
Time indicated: {"hour": 10, "minute": 9}
